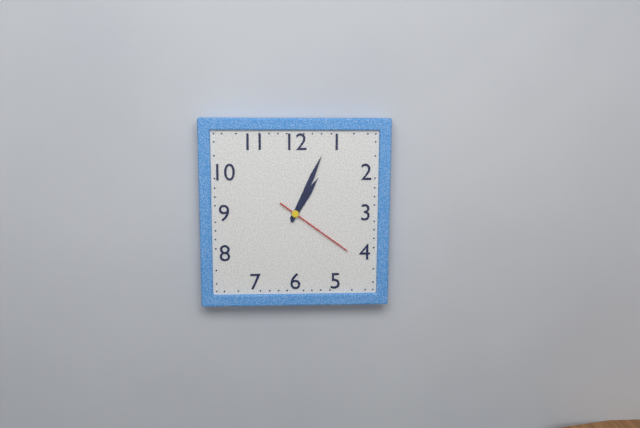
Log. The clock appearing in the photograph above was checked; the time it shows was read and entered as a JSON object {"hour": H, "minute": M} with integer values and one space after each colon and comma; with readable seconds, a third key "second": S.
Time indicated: {"hour": 1, "minute": 4, "second": 21}
